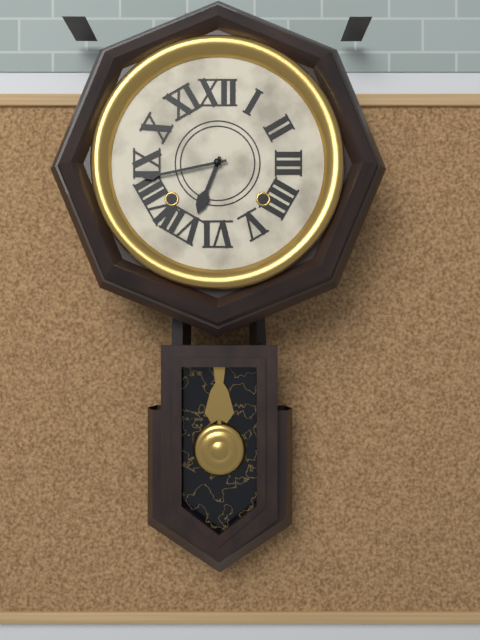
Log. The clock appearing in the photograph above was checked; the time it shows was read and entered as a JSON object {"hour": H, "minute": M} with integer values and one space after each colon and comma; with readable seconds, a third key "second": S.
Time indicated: {"hour": 6, "minute": 43}
